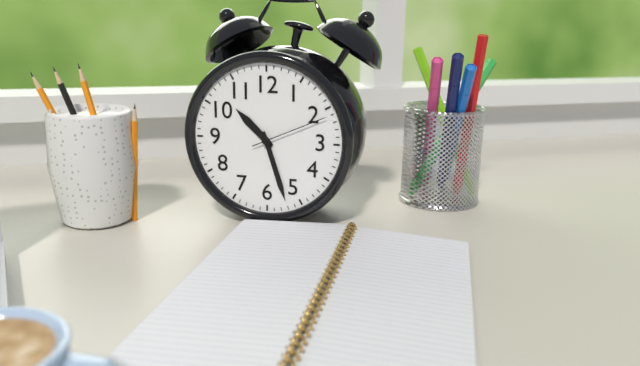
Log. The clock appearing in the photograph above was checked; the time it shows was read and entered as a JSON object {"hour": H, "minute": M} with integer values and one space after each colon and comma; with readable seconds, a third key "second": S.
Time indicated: {"hour": 10, "minute": 27, "second": 11}
